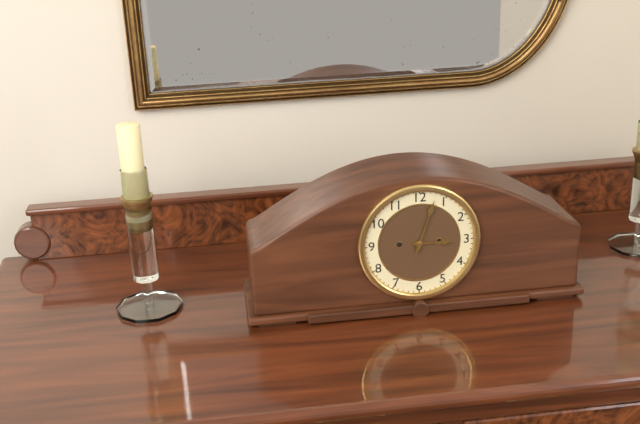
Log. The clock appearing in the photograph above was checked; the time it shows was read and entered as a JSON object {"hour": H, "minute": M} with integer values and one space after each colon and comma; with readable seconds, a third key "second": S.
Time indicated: {"hour": 3, "minute": 3}
